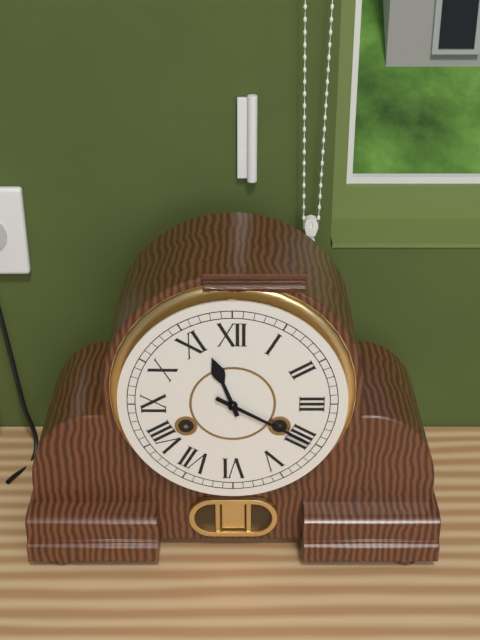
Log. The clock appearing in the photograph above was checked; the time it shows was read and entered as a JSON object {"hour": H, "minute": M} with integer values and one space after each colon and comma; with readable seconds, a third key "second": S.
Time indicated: {"hour": 11, "minute": 20}
